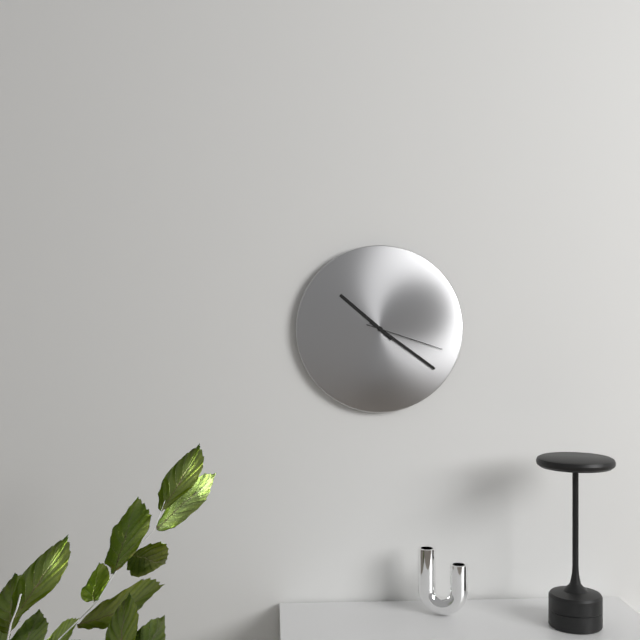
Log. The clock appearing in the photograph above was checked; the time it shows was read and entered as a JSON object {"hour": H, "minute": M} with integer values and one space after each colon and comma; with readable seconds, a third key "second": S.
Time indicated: {"hour": 10, "minute": 21, "second": 18}
